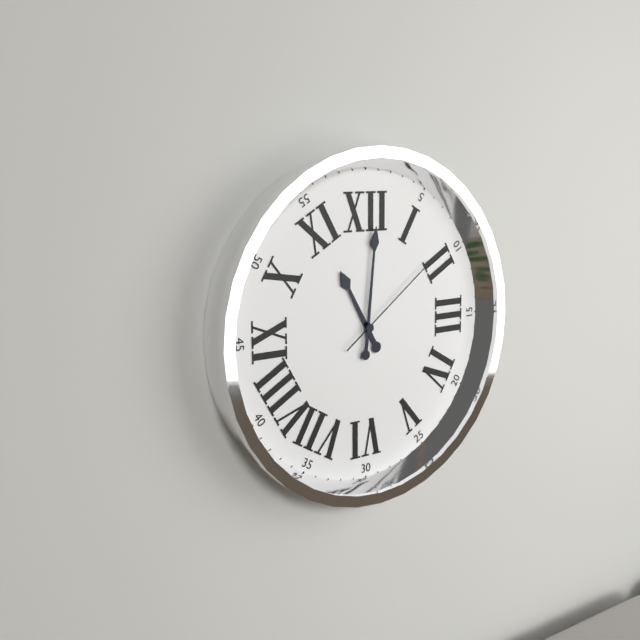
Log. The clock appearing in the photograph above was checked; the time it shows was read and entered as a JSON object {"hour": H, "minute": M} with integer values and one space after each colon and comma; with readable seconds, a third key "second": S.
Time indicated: {"hour": 11, "minute": 1, "second": 9}
